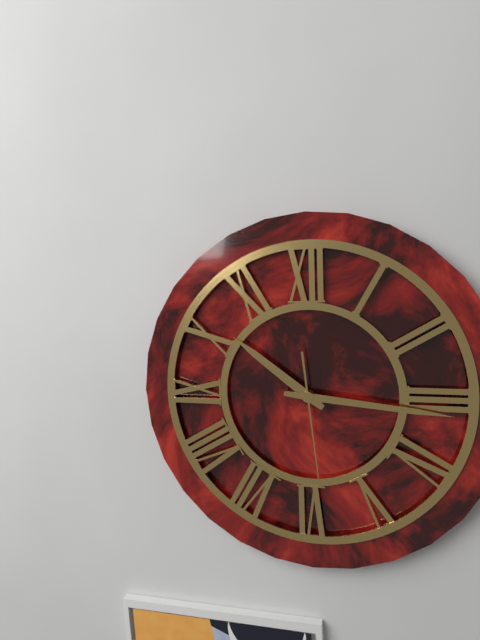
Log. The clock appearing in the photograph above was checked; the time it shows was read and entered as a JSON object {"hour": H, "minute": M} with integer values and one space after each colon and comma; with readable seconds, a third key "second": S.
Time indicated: {"hour": 10, "minute": 16, "second": 29}
